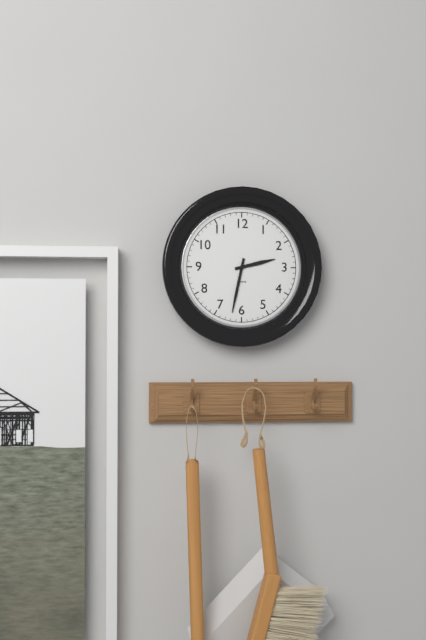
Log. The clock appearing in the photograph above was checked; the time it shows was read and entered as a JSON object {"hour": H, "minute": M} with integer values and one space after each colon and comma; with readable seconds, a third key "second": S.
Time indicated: {"hour": 2, "minute": 32}
